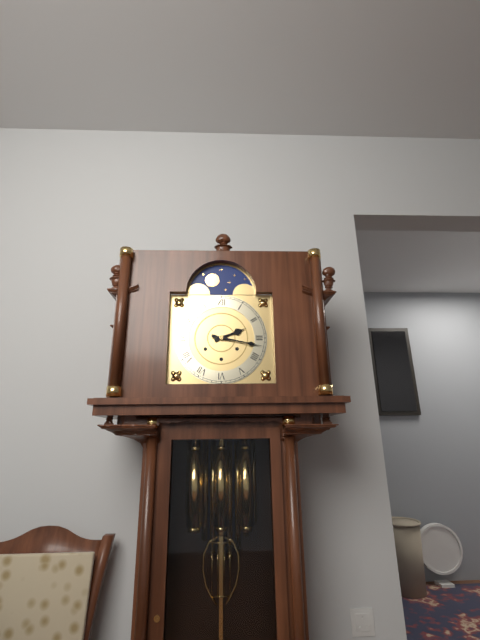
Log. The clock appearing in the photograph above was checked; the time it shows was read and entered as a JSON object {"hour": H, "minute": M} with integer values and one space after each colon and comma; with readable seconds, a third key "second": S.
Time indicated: {"hour": 2, "minute": 17}
